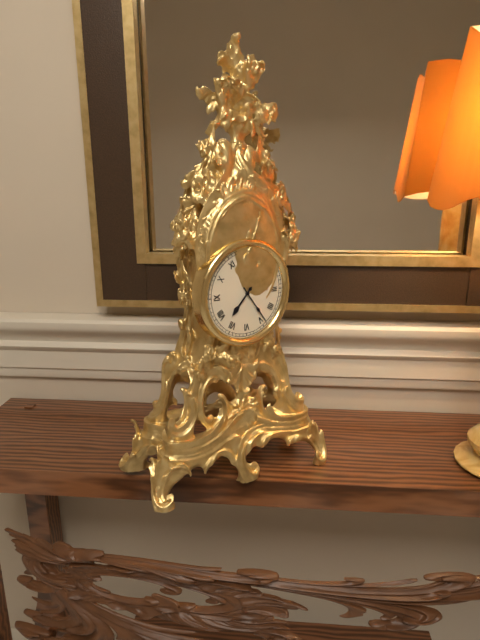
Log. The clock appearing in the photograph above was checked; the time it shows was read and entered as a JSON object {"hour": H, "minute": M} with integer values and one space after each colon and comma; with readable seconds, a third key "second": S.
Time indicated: {"hour": 7, "minute": 24}
